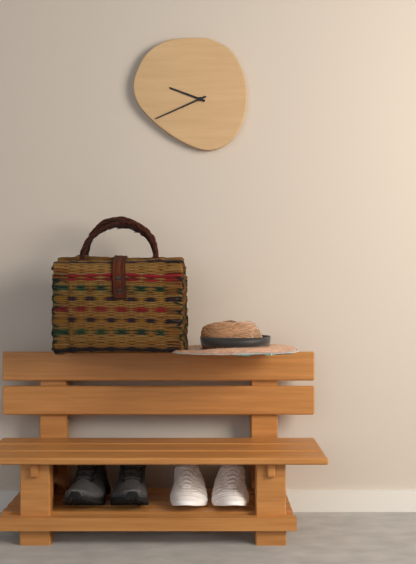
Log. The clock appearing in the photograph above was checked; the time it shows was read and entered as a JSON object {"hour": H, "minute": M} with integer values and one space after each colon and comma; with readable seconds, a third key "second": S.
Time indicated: {"hour": 9, "minute": 41}
